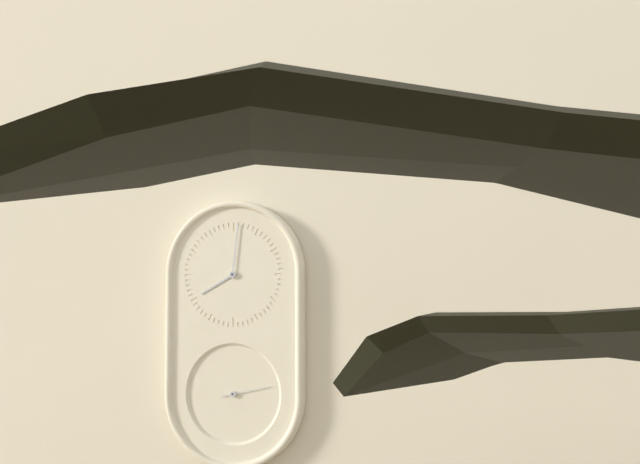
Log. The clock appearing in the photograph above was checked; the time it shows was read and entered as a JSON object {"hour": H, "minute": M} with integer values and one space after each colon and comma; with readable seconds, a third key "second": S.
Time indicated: {"hour": 8, "minute": 1}
